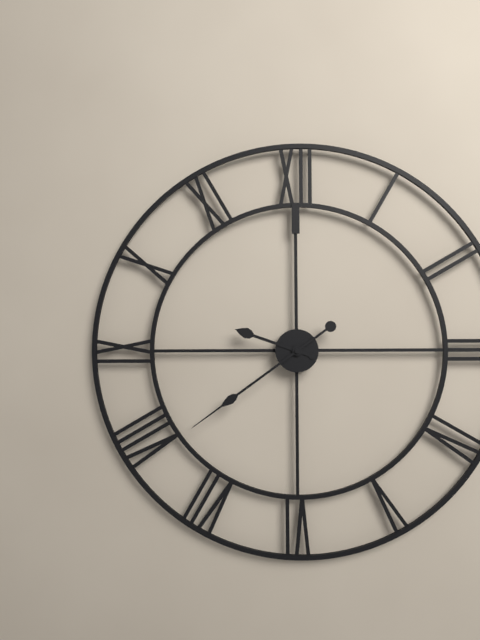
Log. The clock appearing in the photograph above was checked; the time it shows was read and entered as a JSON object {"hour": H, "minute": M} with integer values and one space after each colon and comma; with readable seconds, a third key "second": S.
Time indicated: {"hour": 9, "minute": 39}
